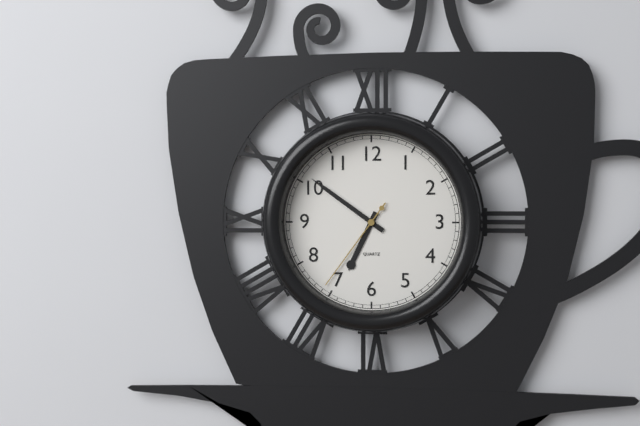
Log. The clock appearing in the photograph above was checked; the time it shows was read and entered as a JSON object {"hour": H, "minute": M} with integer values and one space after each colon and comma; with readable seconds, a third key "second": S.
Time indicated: {"hour": 6, "minute": 51, "second": 36}
